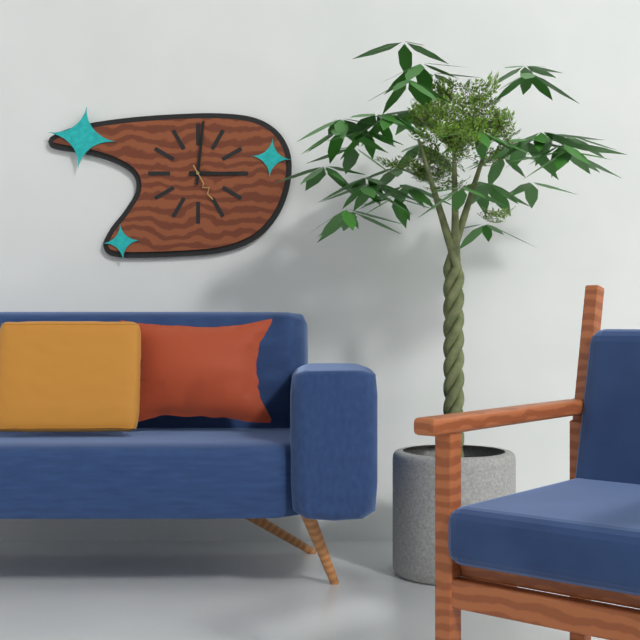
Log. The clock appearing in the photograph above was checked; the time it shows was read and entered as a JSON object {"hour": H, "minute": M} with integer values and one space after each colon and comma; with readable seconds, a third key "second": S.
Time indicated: {"hour": 3, "minute": 1}
